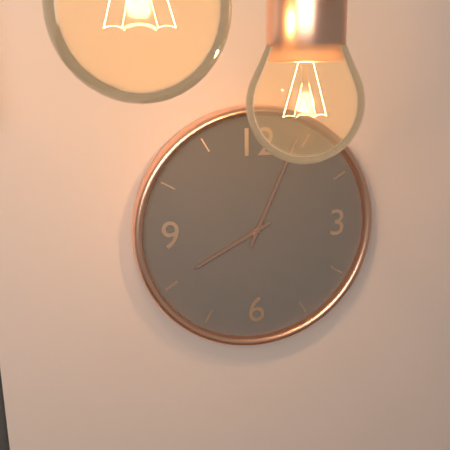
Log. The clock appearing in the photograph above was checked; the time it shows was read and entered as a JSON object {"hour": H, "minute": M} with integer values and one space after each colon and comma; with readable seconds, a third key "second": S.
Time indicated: {"hour": 8, "minute": 4}
